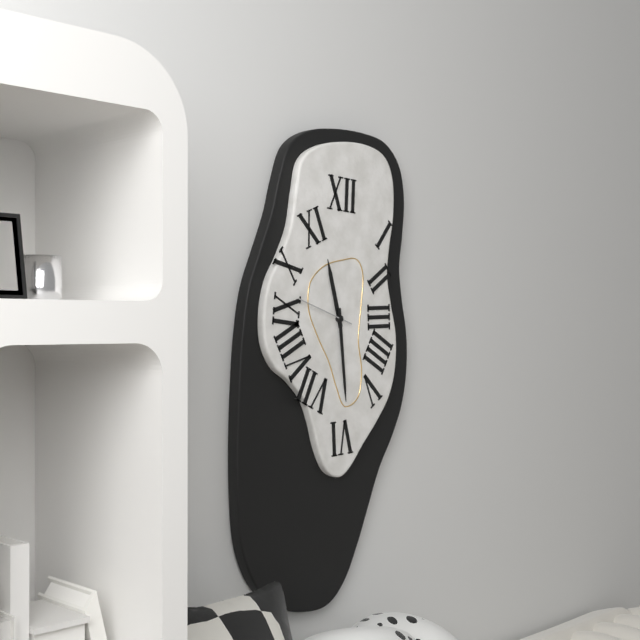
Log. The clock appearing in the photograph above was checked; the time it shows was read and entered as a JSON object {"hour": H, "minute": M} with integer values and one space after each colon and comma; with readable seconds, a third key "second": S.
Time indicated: {"hour": 11, "minute": 29, "second": 48}
